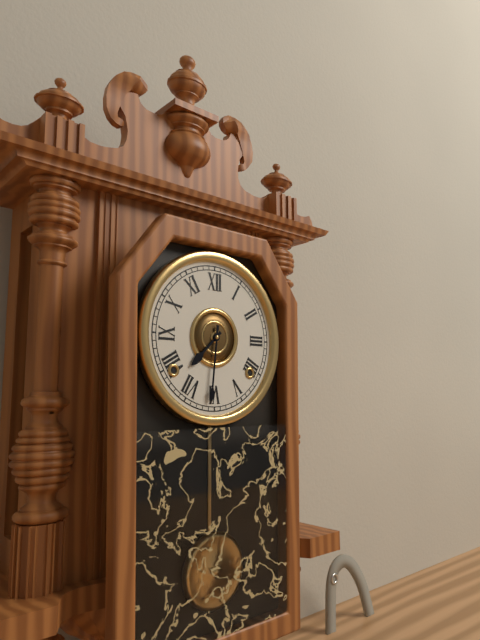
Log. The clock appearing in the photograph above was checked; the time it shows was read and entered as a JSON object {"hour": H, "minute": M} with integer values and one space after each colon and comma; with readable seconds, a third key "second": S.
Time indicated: {"hour": 7, "minute": 31}
